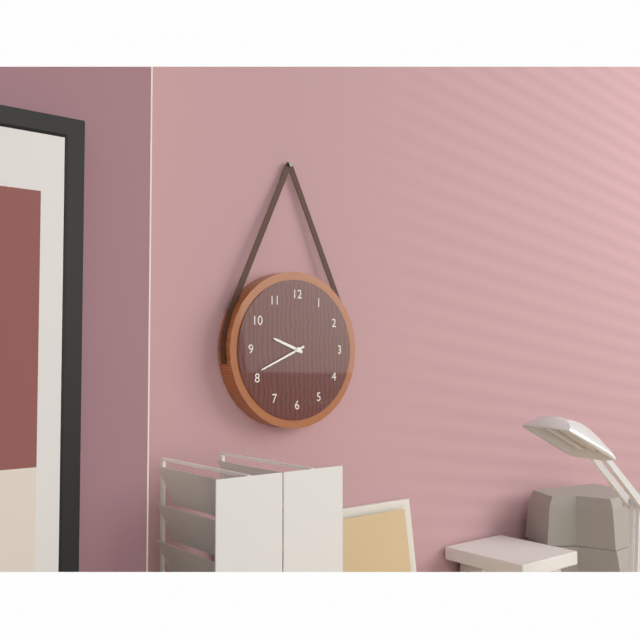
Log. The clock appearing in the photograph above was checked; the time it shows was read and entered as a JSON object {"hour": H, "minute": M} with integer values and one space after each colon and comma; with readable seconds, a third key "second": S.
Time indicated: {"hour": 9, "minute": 41}
